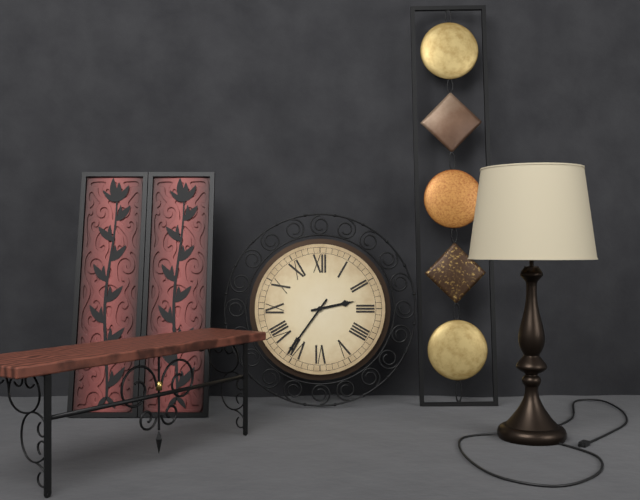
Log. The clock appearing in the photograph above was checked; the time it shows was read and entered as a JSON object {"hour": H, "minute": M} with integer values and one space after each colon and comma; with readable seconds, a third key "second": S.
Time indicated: {"hour": 2, "minute": 36}
